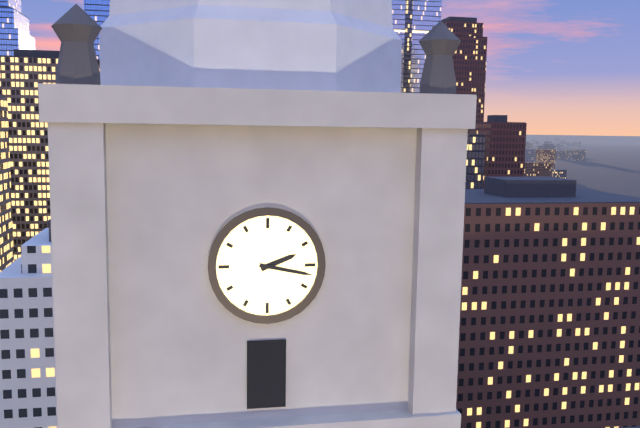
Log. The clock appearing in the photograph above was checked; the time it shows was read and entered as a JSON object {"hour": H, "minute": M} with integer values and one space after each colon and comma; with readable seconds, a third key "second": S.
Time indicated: {"hour": 2, "minute": 17}
